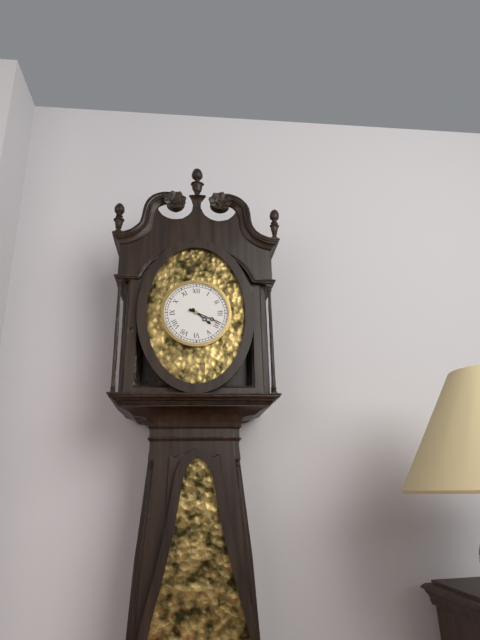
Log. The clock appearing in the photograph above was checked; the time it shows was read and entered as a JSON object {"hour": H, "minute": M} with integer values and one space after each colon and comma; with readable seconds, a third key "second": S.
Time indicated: {"hour": 4, "minute": 19}
